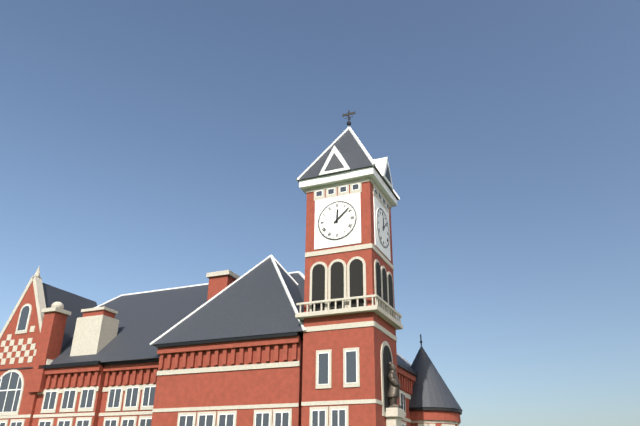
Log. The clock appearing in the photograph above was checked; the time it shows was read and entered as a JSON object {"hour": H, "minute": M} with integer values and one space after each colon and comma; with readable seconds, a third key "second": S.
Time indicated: {"hour": 12, "minute": 8}
